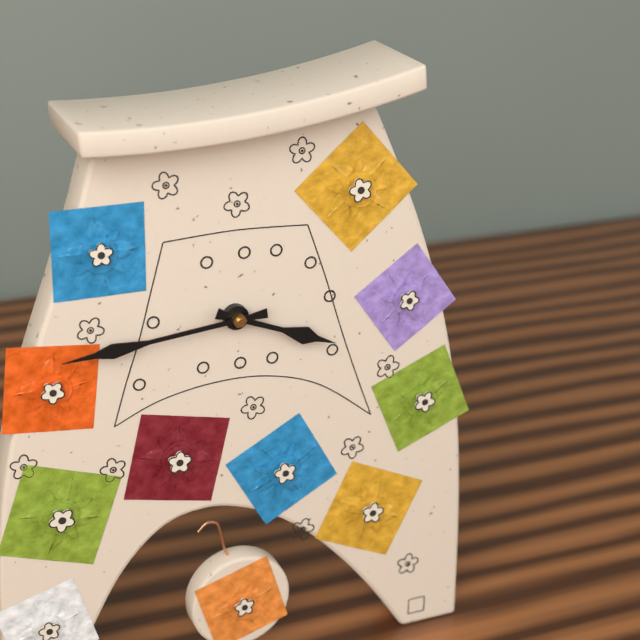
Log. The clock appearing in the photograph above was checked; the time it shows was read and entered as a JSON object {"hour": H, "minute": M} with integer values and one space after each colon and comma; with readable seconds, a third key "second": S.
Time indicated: {"hour": 3, "minute": 44}
